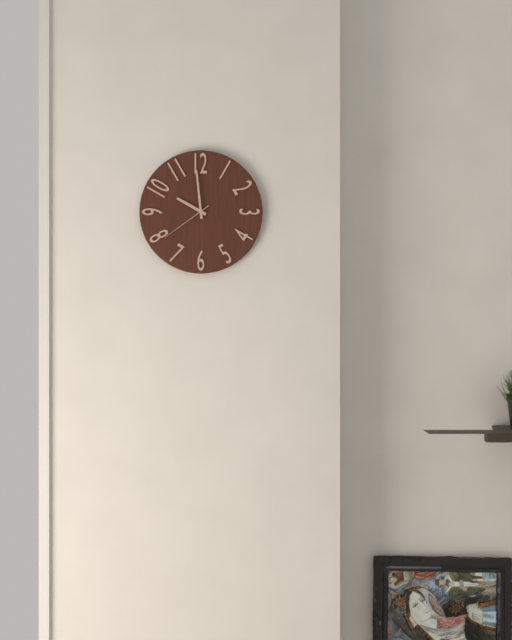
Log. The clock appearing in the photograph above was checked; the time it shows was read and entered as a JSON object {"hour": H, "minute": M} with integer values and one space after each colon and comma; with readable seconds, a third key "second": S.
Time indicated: {"hour": 9, "minute": 59, "second": 39}
